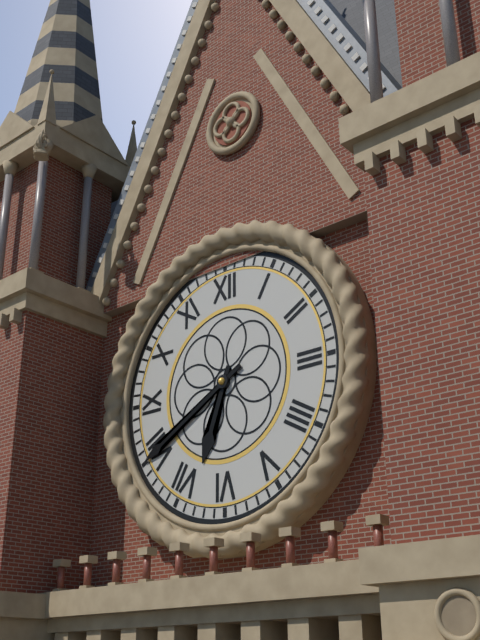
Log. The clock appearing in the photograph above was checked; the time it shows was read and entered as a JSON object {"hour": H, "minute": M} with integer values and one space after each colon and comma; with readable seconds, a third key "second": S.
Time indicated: {"hour": 6, "minute": 40}
